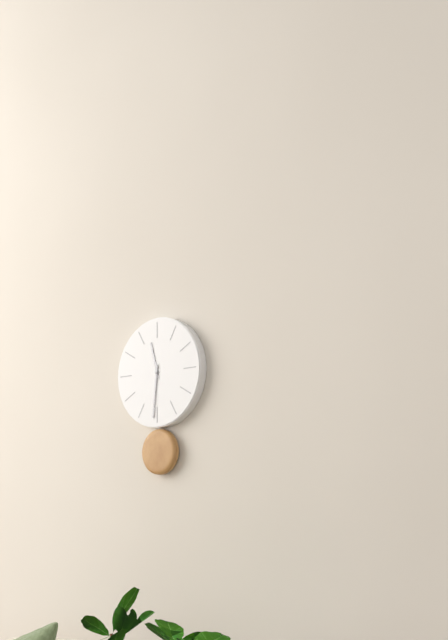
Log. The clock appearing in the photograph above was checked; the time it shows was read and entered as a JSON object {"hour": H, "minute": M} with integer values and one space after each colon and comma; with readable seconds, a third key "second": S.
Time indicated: {"hour": 11, "minute": 31}
